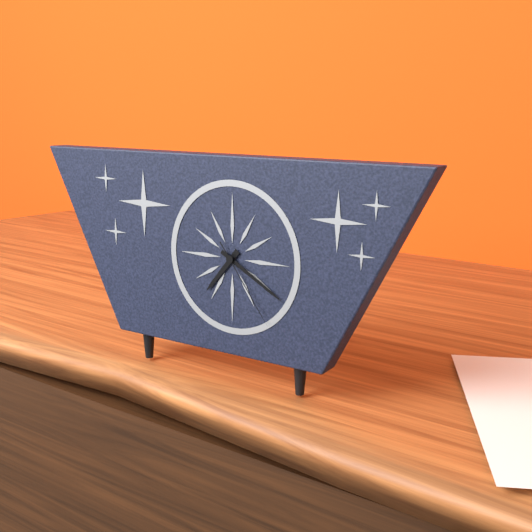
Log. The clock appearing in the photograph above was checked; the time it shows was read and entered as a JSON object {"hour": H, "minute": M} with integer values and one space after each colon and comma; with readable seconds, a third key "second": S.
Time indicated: {"hour": 7, "minute": 20, "second": 24}
